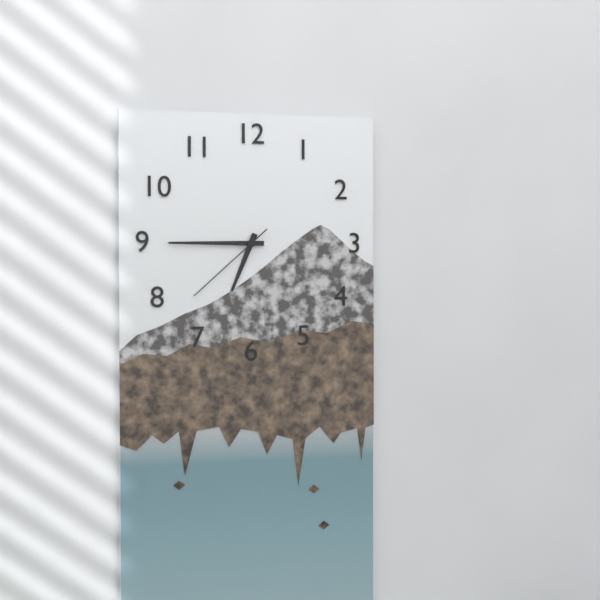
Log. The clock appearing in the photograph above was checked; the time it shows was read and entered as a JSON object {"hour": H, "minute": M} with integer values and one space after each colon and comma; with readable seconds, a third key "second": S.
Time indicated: {"hour": 6, "minute": 45, "second": 38}
